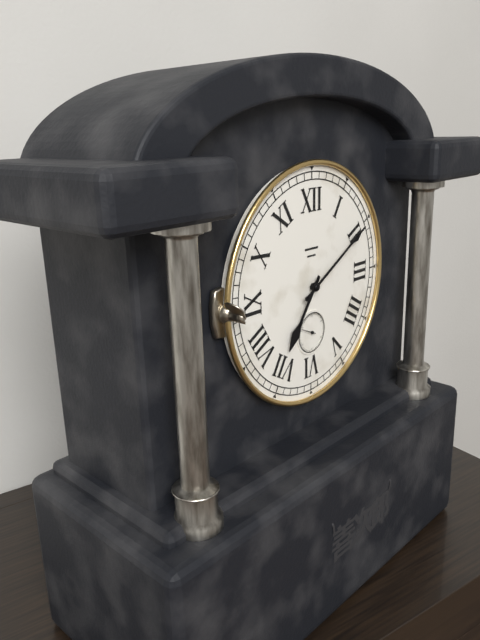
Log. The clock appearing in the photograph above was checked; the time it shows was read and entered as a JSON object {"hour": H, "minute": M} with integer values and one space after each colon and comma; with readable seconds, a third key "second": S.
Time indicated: {"hour": 7, "minute": 10}
